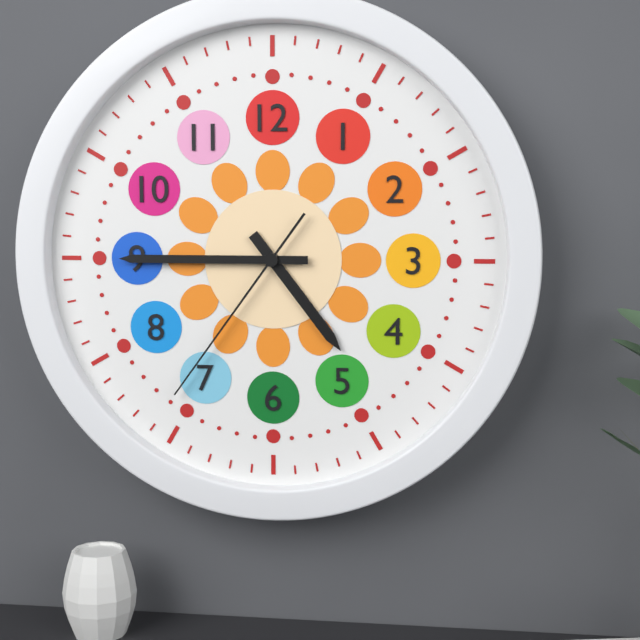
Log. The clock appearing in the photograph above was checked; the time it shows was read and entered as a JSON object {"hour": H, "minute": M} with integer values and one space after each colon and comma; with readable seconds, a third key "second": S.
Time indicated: {"hour": 4, "minute": 45, "second": 36}
